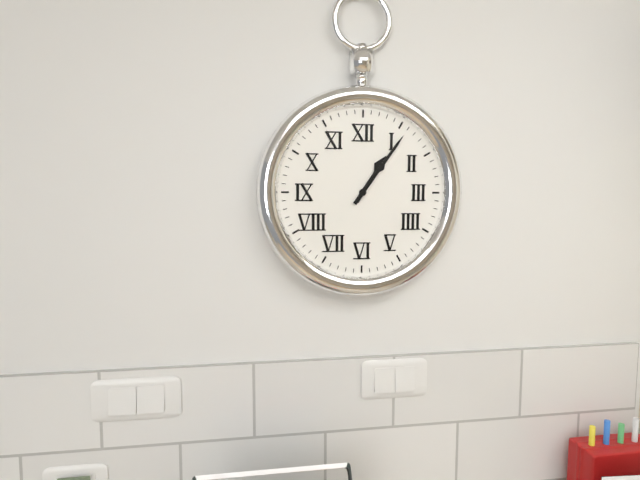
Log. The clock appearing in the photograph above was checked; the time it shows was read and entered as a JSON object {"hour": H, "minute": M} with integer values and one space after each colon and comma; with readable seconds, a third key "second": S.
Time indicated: {"hour": 1, "minute": 6}
